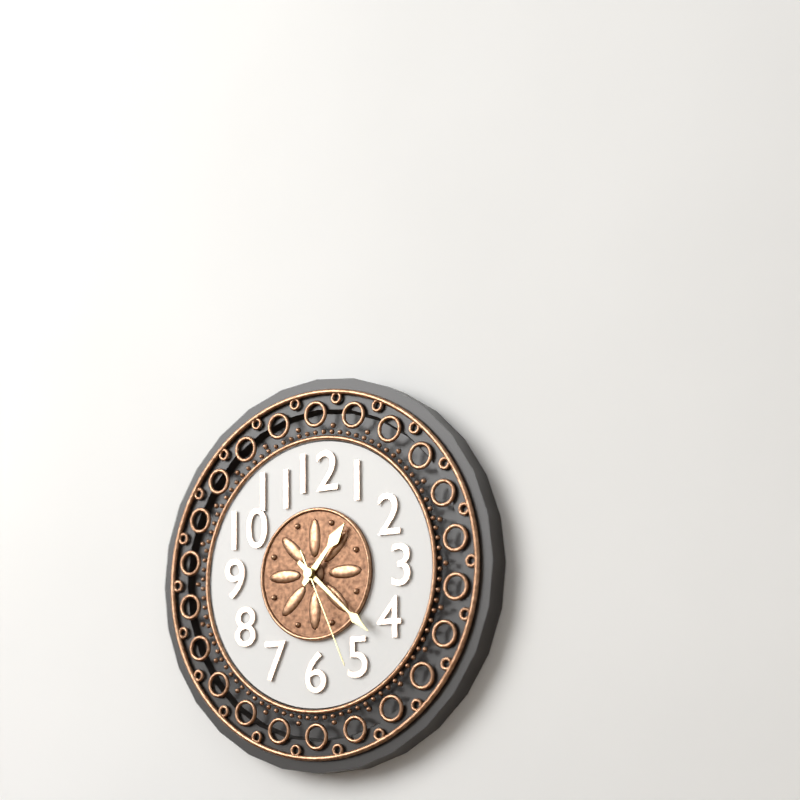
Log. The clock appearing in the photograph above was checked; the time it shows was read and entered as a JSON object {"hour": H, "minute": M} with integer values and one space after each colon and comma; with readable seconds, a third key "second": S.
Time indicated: {"hour": 1, "minute": 22, "second": 26}
